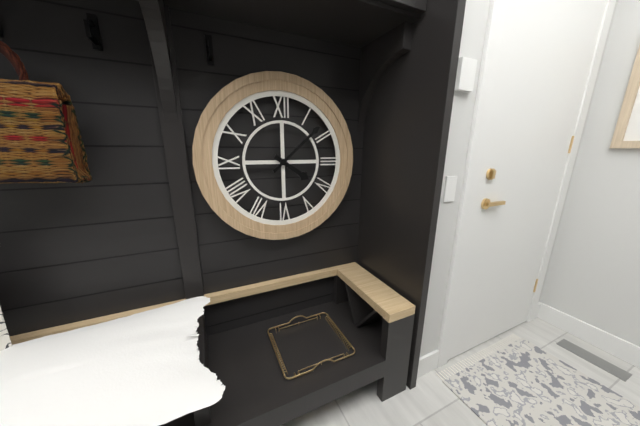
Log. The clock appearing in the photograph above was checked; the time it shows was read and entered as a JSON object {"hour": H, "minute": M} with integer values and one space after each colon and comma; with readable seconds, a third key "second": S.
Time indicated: {"hour": 4, "minute": 8}
